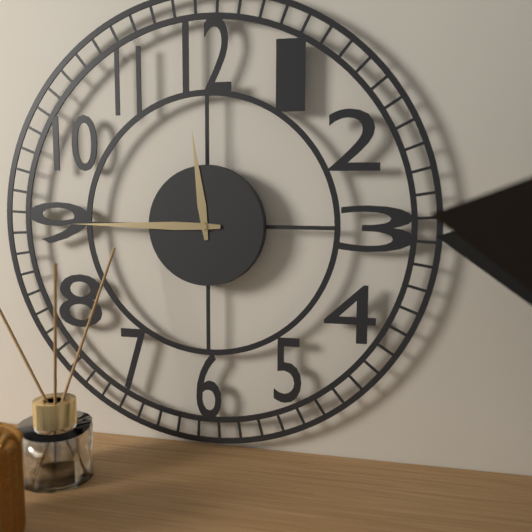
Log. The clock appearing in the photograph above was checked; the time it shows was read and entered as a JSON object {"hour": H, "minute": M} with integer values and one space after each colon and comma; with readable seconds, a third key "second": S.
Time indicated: {"hour": 11, "minute": 45}
